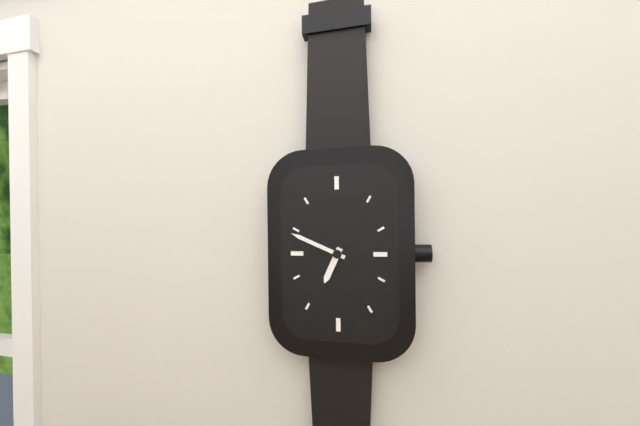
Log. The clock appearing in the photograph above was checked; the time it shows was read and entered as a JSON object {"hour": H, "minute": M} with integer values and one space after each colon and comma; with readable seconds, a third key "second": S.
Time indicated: {"hour": 6, "minute": 49}
